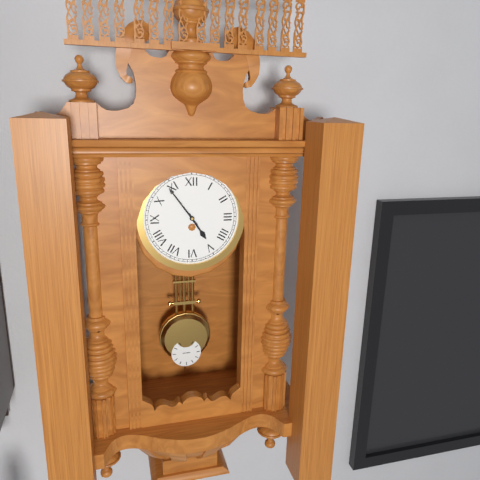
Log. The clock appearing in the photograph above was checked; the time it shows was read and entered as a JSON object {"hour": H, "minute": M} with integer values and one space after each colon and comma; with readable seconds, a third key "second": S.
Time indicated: {"hour": 4, "minute": 54}
